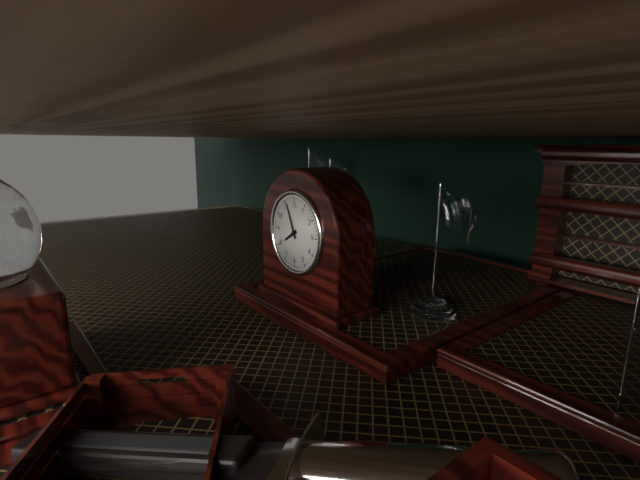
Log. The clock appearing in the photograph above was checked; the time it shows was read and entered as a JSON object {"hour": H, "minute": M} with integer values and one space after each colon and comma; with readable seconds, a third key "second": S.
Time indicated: {"hour": 7, "minute": 56}
